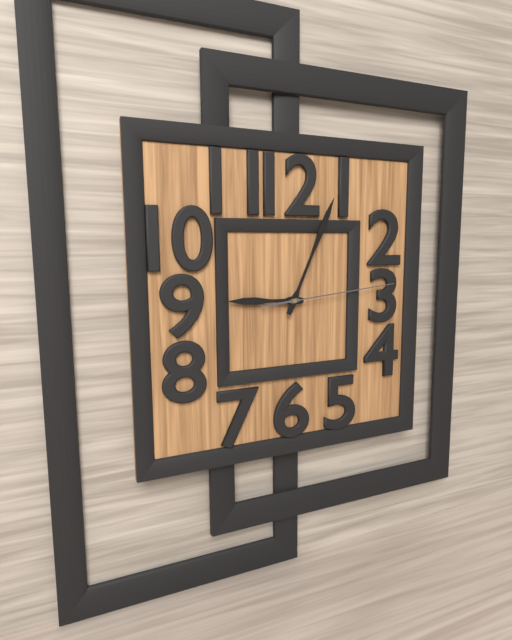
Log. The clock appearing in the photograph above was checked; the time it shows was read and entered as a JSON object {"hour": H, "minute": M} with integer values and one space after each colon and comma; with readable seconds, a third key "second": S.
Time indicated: {"hour": 9, "minute": 4, "second": 14}
